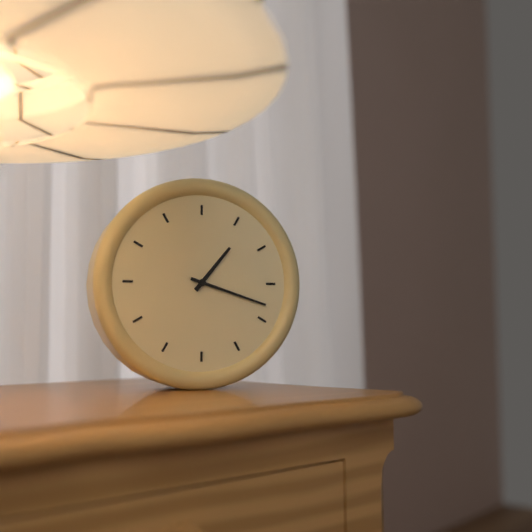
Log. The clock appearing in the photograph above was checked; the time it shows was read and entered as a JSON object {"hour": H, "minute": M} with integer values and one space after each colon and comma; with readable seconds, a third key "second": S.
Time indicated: {"hour": 1, "minute": 18}
